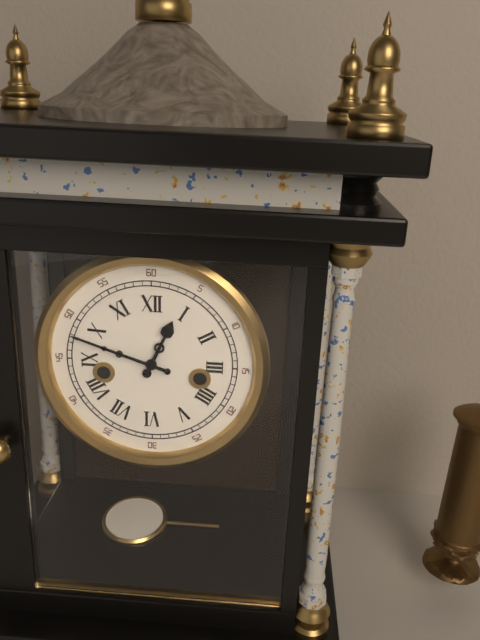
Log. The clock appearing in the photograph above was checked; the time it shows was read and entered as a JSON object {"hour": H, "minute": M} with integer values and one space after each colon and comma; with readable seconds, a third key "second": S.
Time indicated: {"hour": 12, "minute": 48}
